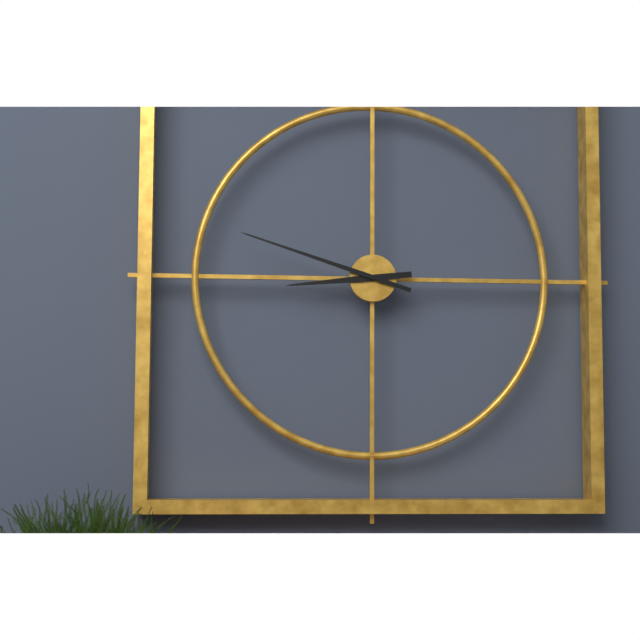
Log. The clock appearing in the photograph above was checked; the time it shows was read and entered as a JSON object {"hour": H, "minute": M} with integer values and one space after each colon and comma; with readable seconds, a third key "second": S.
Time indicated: {"hour": 8, "minute": 48}
